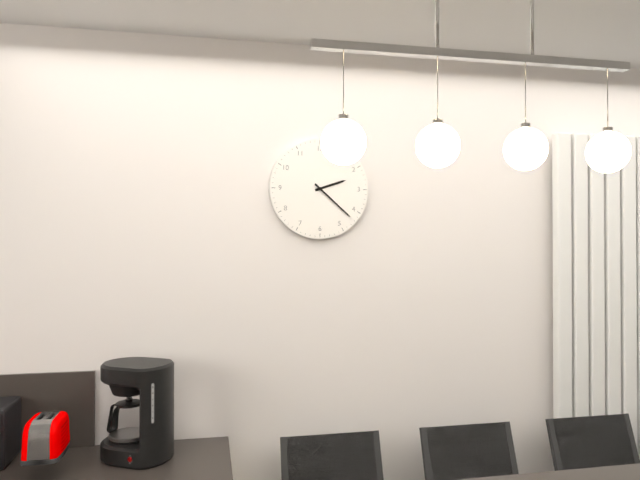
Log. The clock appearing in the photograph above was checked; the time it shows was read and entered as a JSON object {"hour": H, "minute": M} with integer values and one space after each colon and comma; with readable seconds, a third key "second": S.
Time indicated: {"hour": 2, "minute": 22}
